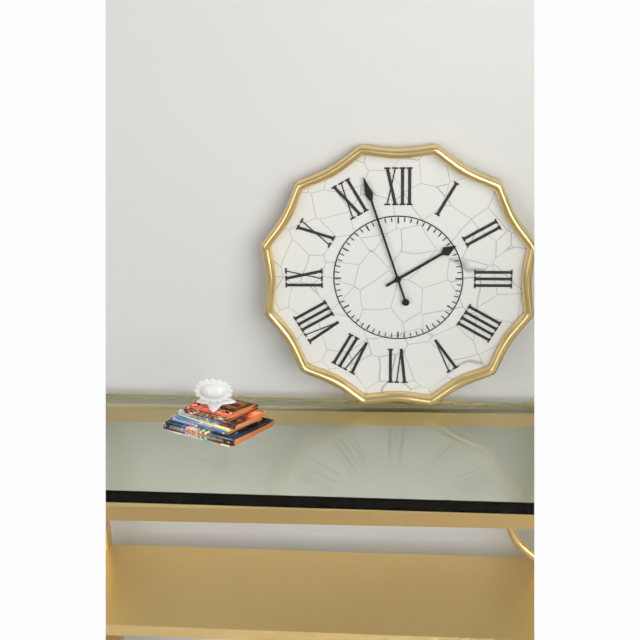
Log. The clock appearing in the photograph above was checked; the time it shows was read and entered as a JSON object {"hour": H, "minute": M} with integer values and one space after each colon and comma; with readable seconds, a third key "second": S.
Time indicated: {"hour": 1, "minute": 57}
